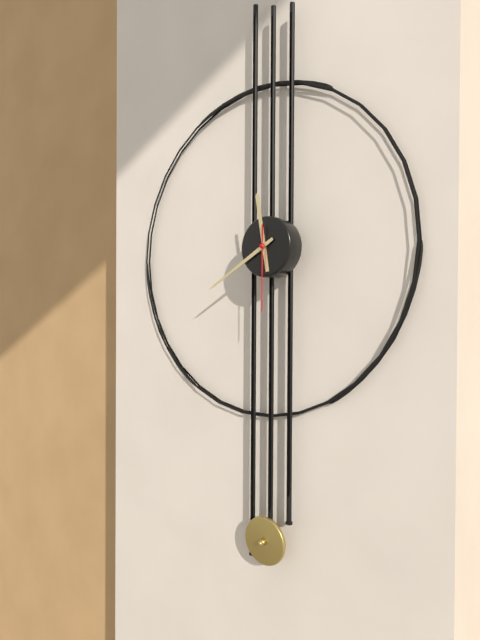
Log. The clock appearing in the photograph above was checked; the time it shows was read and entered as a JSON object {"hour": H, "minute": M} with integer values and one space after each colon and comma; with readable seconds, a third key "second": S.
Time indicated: {"hour": 11, "minute": 40, "second": 30}
